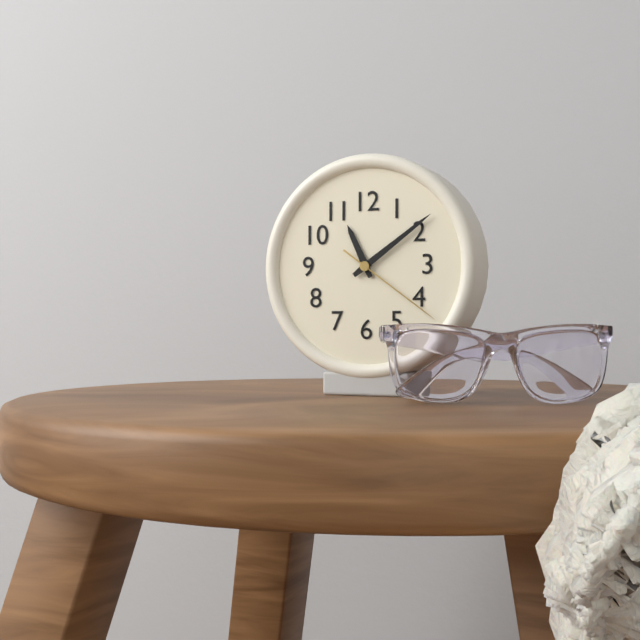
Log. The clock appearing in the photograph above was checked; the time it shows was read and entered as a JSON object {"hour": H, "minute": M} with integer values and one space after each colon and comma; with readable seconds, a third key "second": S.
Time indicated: {"hour": 11, "minute": 9, "second": 21}
